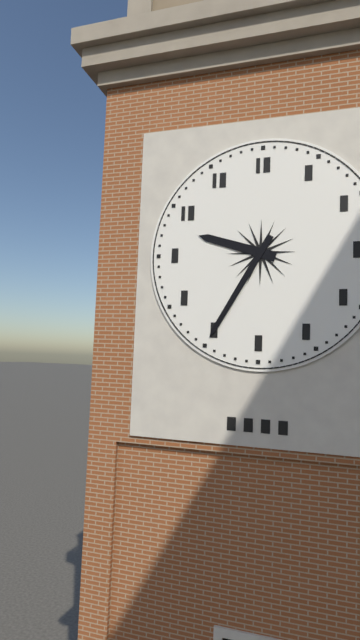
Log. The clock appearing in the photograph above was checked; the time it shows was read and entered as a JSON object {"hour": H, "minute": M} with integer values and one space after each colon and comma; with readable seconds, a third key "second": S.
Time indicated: {"hour": 9, "minute": 35}
